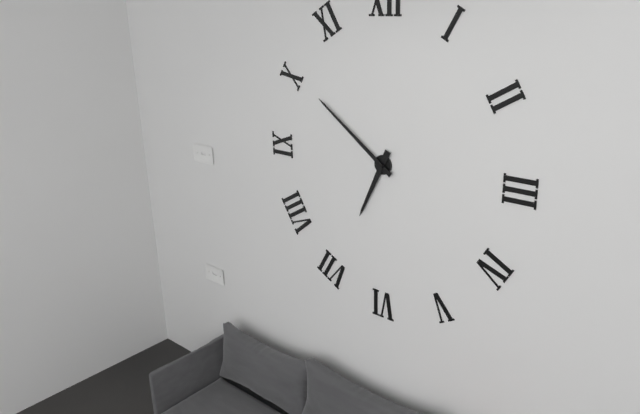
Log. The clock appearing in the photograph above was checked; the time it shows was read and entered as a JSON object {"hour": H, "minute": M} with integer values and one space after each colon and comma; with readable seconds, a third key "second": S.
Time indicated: {"hour": 6, "minute": 51}
